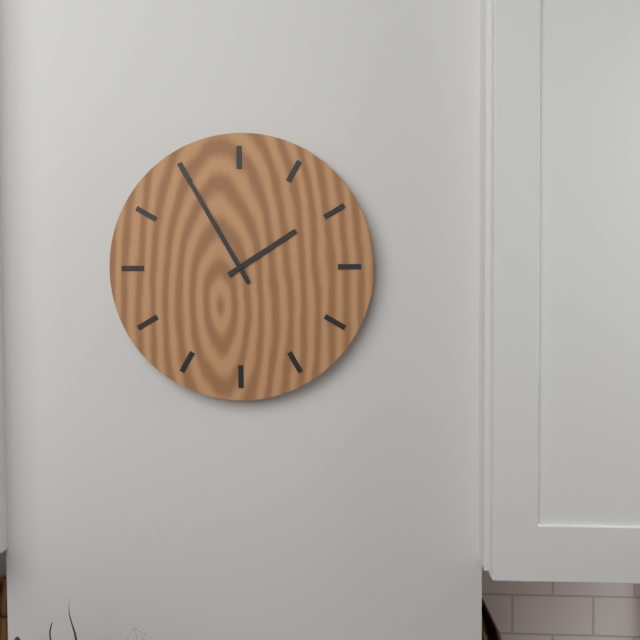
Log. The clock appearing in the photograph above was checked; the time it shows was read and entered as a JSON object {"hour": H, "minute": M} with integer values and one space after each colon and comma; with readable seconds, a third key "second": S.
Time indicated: {"hour": 1, "minute": 55}
